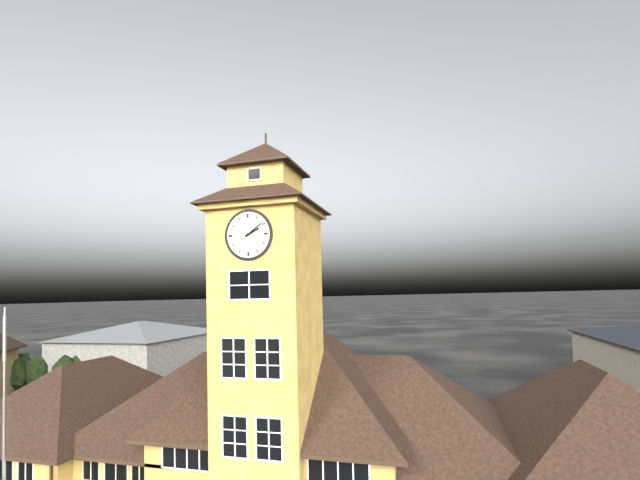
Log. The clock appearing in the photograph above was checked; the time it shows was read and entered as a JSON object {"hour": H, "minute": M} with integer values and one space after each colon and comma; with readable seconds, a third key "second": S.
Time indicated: {"hour": 2, "minute": 9}
